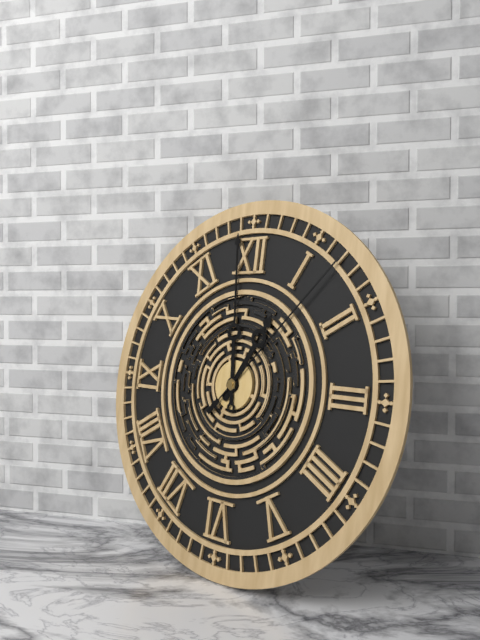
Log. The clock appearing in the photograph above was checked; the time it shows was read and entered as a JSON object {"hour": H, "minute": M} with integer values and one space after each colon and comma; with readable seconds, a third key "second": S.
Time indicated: {"hour": 12, "minute": 59, "second": 7}
